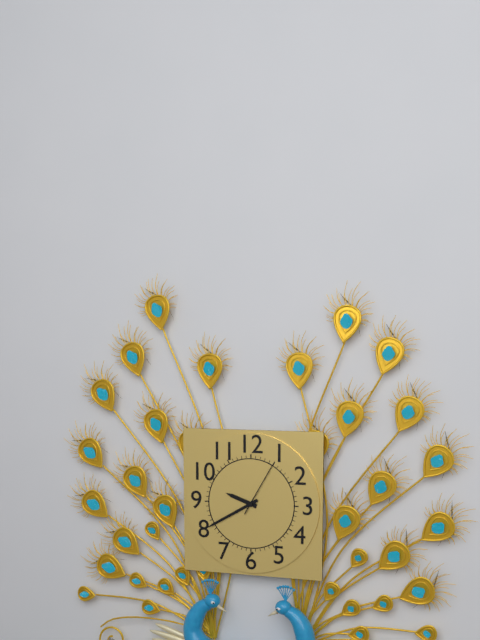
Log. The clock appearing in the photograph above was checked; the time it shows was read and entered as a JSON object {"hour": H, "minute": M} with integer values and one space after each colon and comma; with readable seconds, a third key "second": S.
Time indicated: {"hour": 9, "minute": 40, "second": 5}
